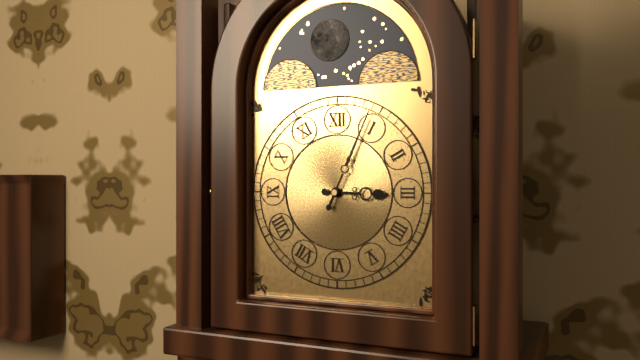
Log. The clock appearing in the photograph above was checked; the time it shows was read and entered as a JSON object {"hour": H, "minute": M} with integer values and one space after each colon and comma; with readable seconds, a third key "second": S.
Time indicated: {"hour": 3, "minute": 4}
